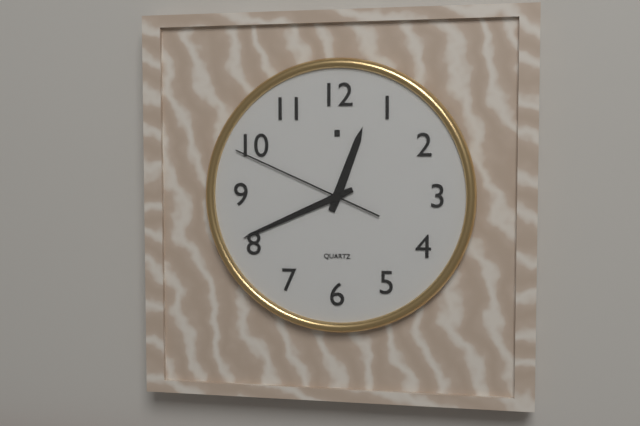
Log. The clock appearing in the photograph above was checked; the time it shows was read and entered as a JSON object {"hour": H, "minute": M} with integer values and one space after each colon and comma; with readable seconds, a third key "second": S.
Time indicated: {"hour": 12, "minute": 41, "second": 49}
